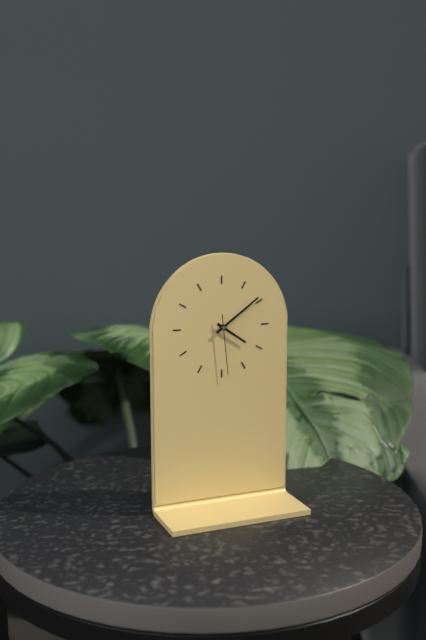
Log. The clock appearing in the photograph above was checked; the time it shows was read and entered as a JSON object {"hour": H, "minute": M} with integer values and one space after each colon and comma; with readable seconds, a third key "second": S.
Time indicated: {"hour": 4, "minute": 9, "second": 29}
